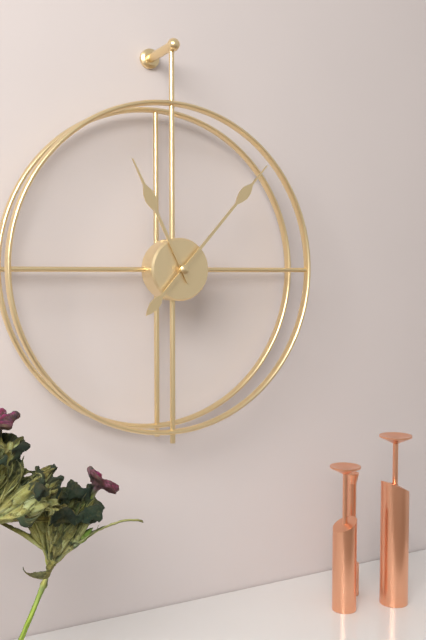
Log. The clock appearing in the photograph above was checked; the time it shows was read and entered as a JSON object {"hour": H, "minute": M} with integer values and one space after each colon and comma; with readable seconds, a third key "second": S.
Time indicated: {"hour": 11, "minute": 7}
